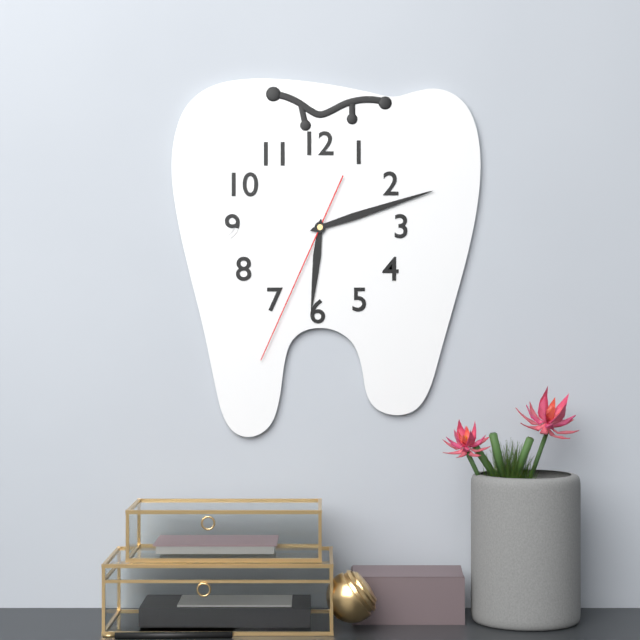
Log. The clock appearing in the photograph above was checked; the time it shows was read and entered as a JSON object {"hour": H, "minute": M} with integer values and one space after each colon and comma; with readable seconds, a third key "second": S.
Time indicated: {"hour": 6, "minute": 12, "second": 34}
